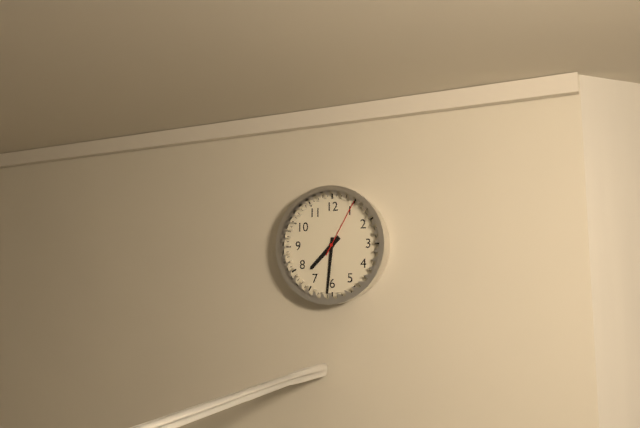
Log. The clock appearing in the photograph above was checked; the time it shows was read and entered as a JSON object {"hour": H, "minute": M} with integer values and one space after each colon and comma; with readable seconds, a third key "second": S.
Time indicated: {"hour": 7, "minute": 31, "second": 5}
